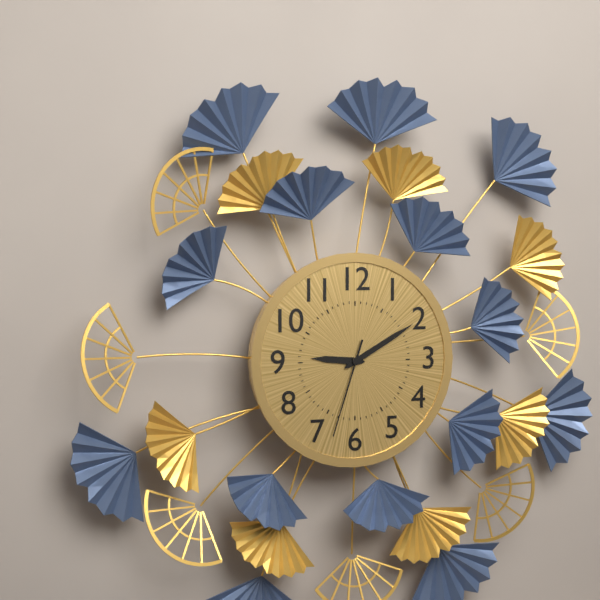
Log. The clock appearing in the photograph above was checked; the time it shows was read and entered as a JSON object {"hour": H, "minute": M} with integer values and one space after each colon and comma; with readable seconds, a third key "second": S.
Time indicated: {"hour": 9, "minute": 10, "second": 33}
